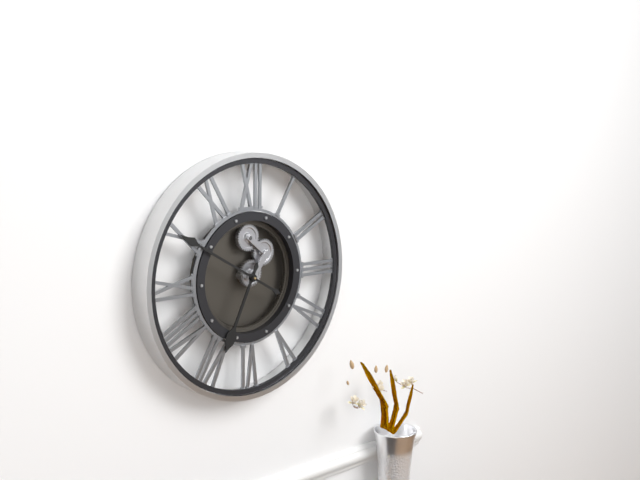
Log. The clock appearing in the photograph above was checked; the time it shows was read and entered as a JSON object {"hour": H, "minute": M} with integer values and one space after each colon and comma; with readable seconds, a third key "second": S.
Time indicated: {"hour": 6, "minute": 50}
